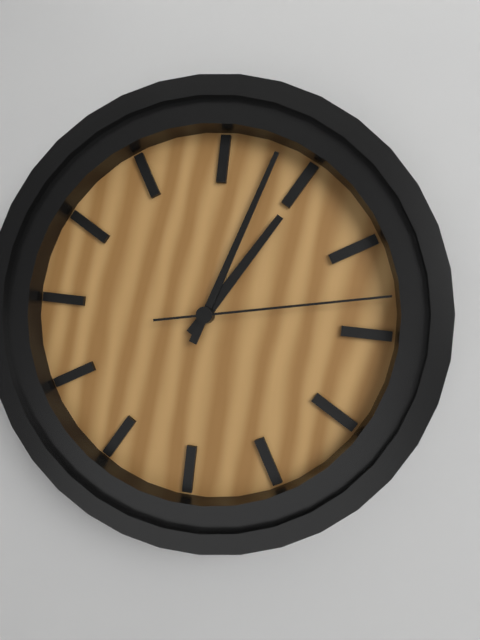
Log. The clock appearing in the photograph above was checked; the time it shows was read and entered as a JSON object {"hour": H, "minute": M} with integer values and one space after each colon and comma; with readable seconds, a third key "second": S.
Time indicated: {"hour": 1, "minute": 3, "second": 13}
